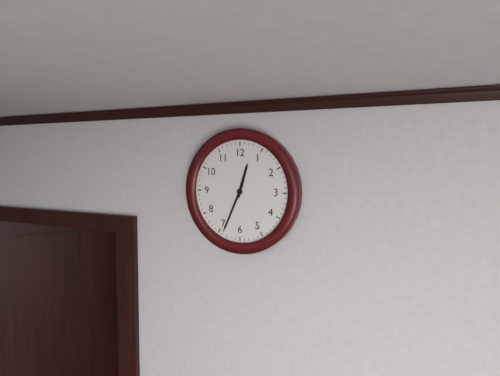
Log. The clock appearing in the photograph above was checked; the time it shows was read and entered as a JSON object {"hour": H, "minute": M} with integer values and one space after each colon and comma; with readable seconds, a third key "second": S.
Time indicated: {"hour": 12, "minute": 34}
